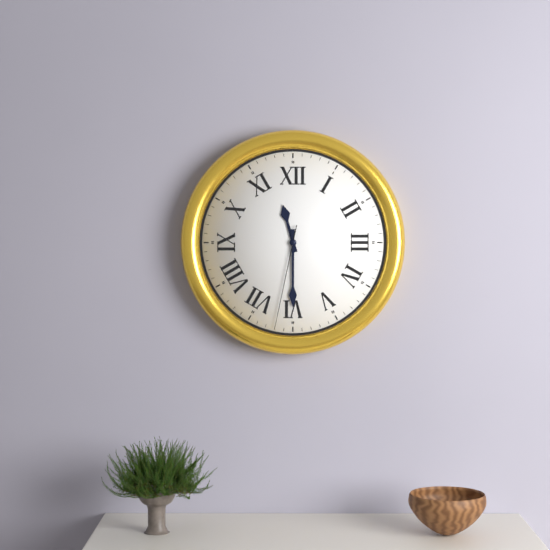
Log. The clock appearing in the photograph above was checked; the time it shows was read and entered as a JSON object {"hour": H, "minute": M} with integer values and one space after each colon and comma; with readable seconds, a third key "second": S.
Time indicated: {"hour": 11, "minute": 30, "second": 32}
